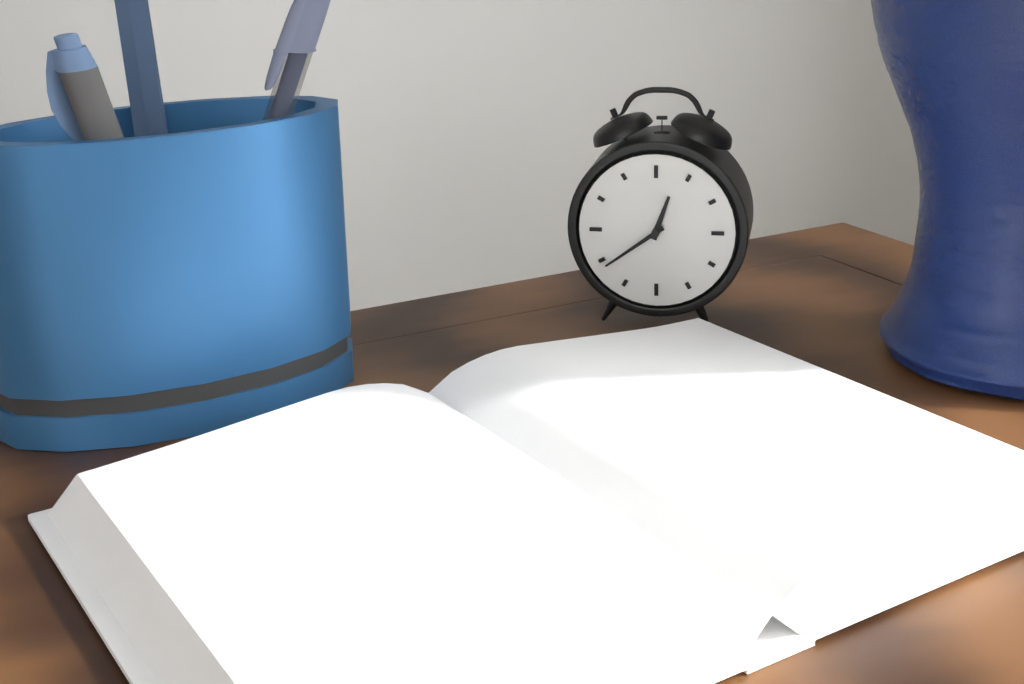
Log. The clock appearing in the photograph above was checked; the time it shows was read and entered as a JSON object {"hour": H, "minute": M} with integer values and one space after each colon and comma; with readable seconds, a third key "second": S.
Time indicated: {"hour": 12, "minute": 39}
